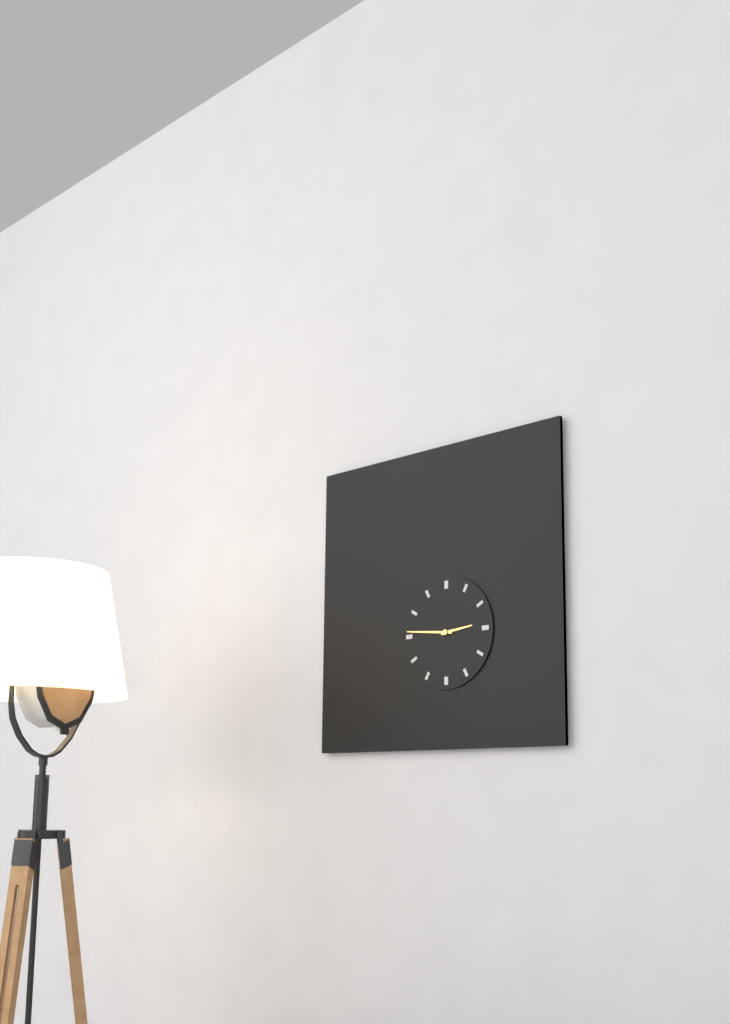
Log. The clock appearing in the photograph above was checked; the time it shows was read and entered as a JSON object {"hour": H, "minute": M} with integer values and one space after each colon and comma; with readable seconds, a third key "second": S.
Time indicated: {"hour": 2, "minute": 46}
